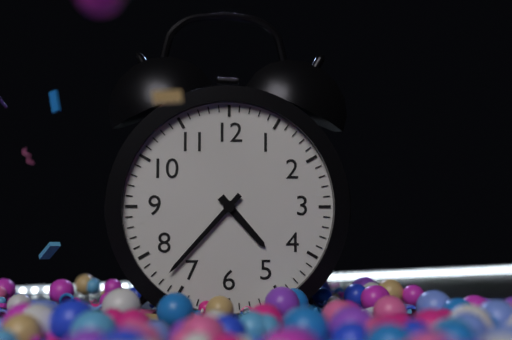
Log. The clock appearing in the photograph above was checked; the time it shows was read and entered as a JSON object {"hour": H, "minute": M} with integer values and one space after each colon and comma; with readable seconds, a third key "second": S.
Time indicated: {"hour": 4, "minute": 37}
